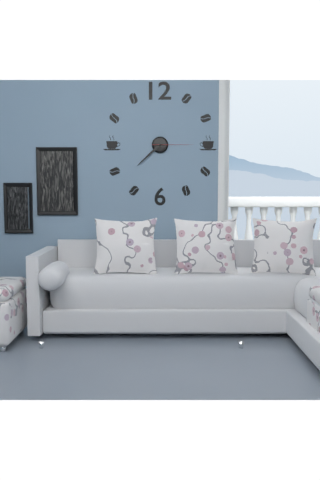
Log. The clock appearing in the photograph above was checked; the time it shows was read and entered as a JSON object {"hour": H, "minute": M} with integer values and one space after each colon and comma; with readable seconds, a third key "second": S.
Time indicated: {"hour": 7, "minute": 38}
